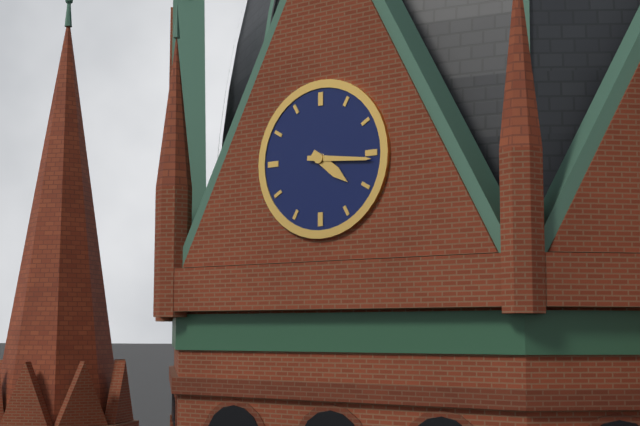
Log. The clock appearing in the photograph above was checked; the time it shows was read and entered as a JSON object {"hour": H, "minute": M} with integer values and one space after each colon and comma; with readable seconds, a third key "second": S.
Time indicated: {"hour": 4, "minute": 16}
